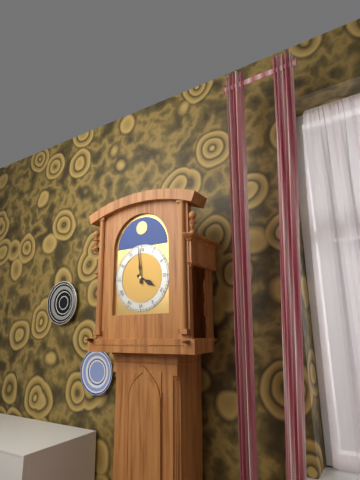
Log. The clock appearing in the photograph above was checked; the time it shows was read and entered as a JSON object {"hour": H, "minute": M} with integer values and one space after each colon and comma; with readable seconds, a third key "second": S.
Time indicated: {"hour": 3, "minute": 59}
